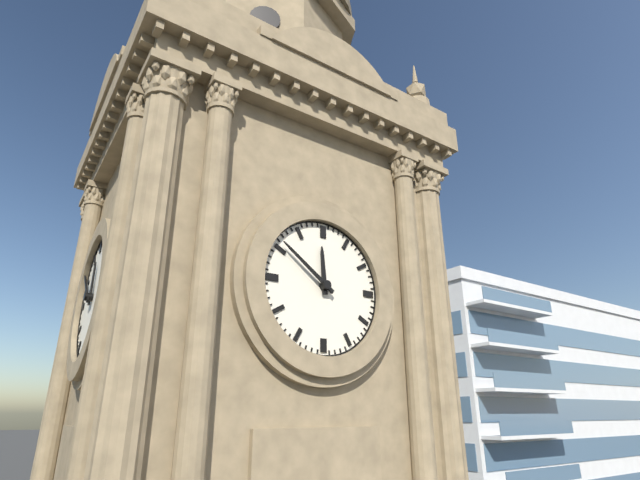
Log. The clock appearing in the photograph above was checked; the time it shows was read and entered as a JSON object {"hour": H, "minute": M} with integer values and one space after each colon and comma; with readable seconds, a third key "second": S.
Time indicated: {"hour": 11, "minute": 51}
